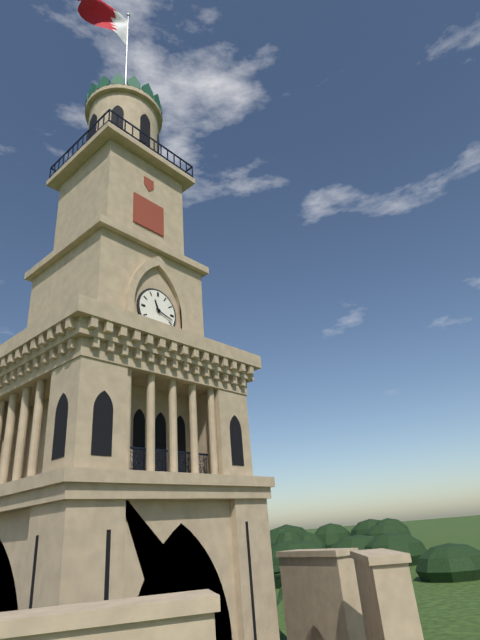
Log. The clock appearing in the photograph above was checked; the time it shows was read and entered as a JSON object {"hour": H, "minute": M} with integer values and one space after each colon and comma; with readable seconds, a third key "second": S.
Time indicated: {"hour": 11, "minute": 18}
